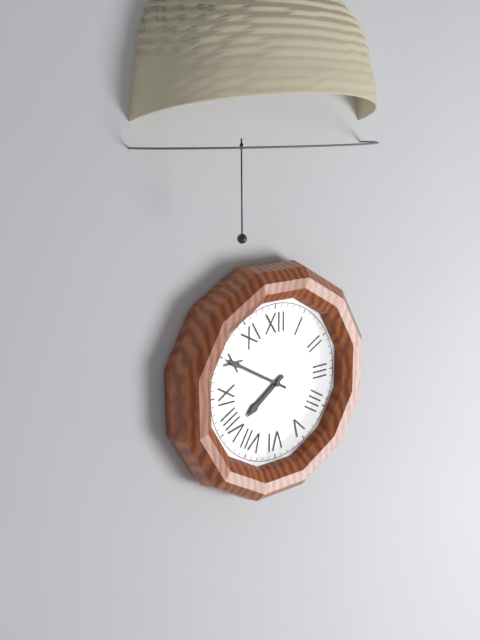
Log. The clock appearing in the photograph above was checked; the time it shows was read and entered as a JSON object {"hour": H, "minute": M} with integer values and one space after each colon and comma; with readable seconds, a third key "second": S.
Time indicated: {"hour": 7, "minute": 50}
